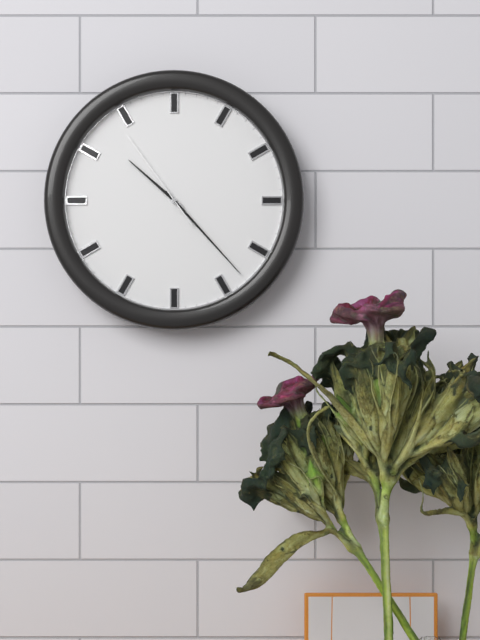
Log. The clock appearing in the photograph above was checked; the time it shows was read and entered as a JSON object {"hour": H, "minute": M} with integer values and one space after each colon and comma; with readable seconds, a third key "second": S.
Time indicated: {"hour": 10, "minute": 23, "second": 54}
